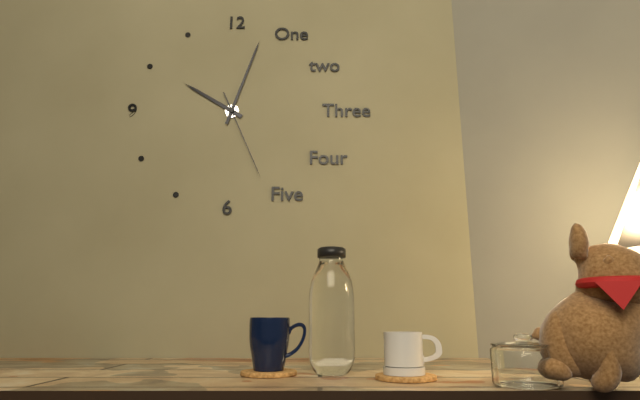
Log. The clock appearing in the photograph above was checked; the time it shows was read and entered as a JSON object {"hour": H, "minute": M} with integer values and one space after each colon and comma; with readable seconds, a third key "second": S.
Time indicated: {"hour": 10, "minute": 3, "second": 26}
